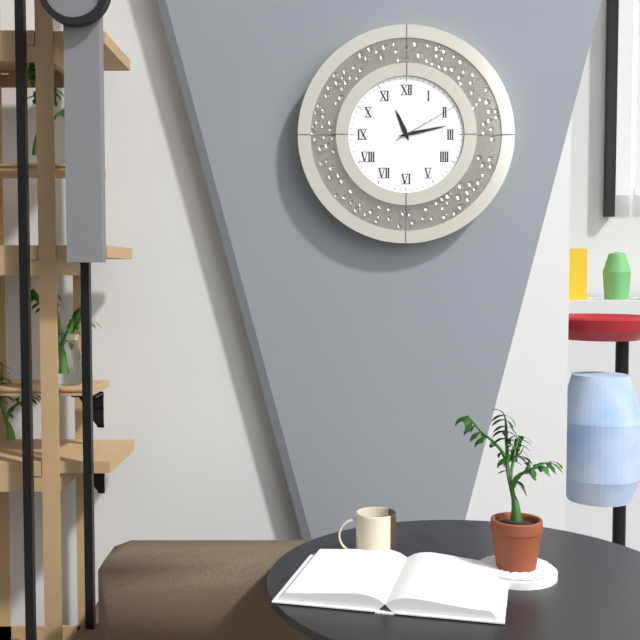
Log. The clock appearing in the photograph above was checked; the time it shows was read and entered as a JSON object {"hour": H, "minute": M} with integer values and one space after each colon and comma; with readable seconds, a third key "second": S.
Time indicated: {"hour": 11, "minute": 13, "second": 10}
